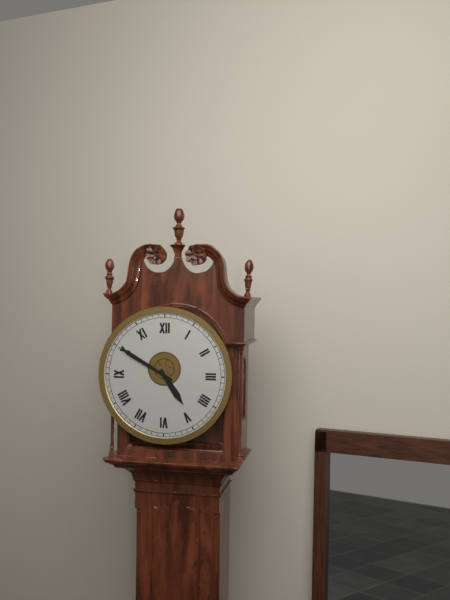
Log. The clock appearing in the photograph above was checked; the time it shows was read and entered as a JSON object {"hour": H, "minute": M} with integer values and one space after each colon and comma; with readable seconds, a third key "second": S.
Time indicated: {"hour": 4, "minute": 50}
